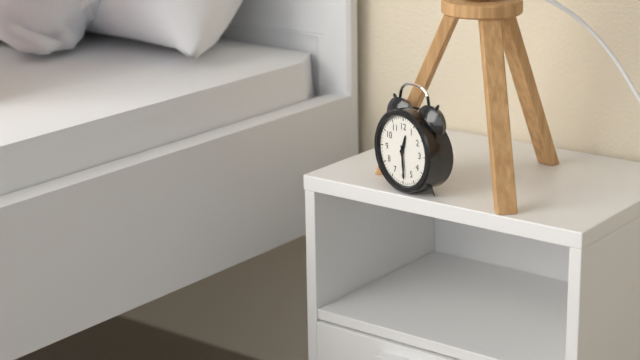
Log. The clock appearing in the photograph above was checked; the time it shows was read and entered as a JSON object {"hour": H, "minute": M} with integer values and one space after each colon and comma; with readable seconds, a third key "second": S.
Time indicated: {"hour": 12, "minute": 29}
